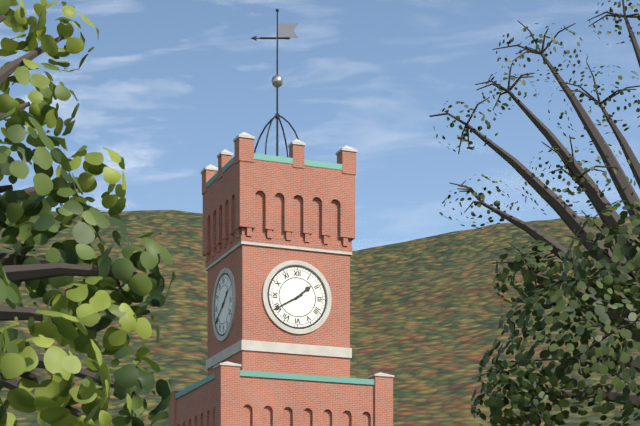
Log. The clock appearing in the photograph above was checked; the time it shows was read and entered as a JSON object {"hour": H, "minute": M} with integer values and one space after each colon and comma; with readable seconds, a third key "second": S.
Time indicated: {"hour": 1, "minute": 40}
